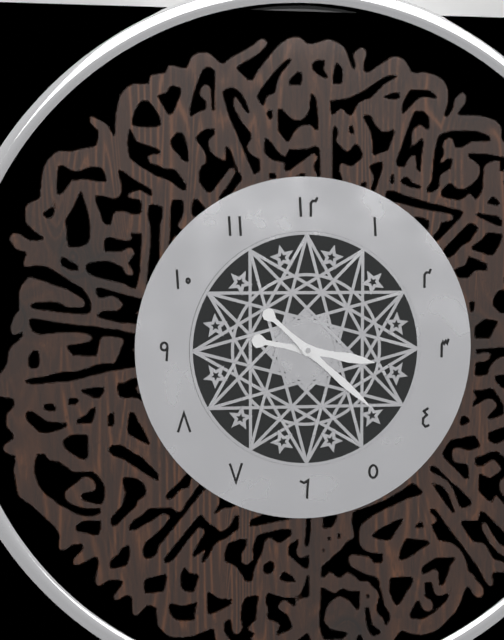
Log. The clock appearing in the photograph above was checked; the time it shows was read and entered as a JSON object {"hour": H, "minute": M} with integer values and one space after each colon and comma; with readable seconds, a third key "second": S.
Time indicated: {"hour": 3, "minute": 22}
